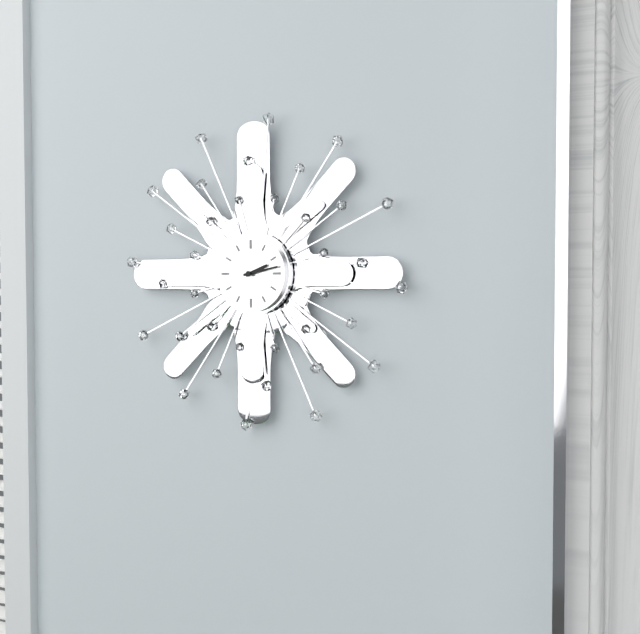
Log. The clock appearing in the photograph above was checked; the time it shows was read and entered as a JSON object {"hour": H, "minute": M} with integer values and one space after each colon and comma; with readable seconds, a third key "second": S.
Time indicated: {"hour": 2, "minute": 13}
